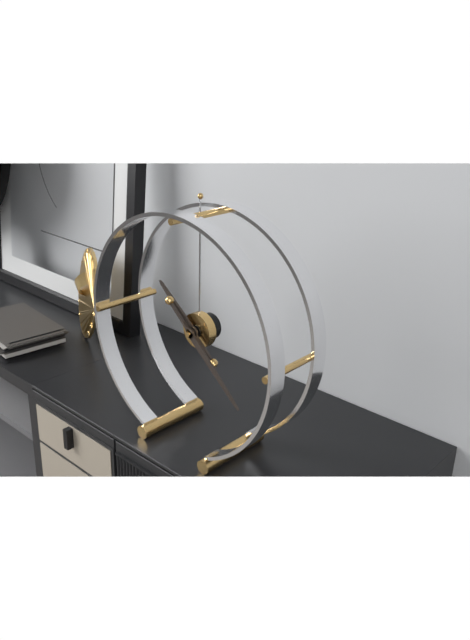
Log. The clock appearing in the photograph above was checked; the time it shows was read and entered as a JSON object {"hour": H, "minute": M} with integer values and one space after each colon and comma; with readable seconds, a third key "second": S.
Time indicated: {"hour": 10, "minute": 22}
